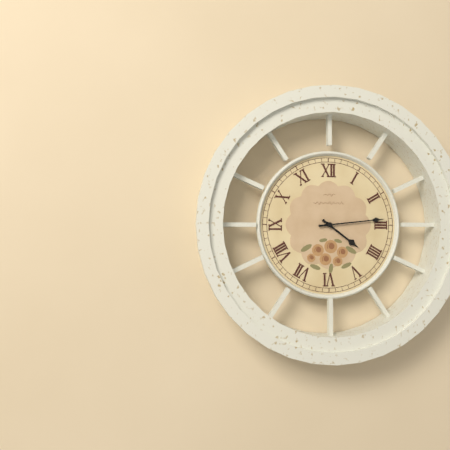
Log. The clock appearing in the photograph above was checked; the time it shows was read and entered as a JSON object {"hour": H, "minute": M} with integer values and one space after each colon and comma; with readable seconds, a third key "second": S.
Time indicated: {"hour": 4, "minute": 14}
